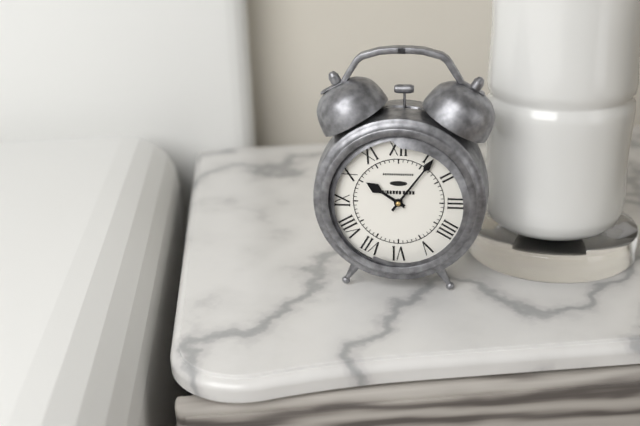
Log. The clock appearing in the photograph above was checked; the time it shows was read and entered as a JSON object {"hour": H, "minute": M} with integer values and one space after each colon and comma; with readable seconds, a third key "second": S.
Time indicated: {"hour": 10, "minute": 6}
